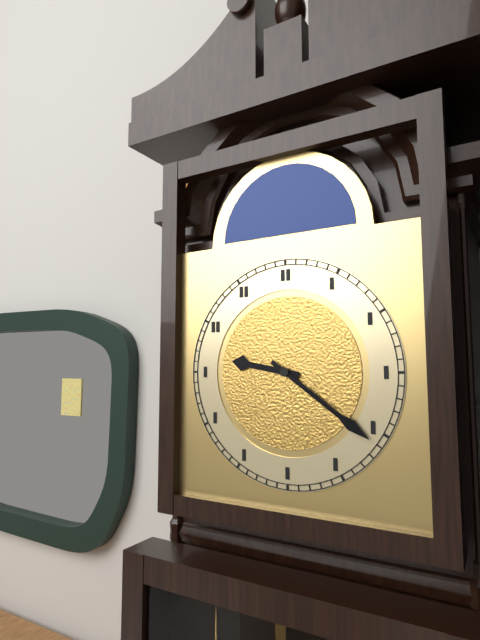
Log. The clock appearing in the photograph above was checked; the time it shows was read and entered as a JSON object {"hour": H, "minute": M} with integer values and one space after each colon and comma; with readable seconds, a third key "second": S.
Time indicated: {"hour": 9, "minute": 21}
